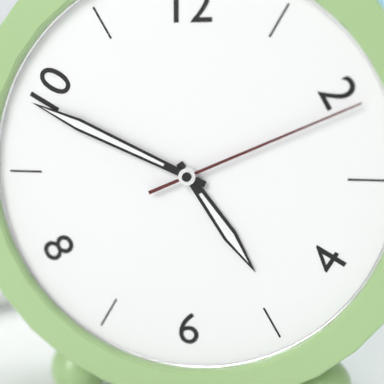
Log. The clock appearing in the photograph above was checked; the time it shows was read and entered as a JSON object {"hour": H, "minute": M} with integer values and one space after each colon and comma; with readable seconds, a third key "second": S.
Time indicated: {"hour": 4, "minute": 49, "second": 11}
